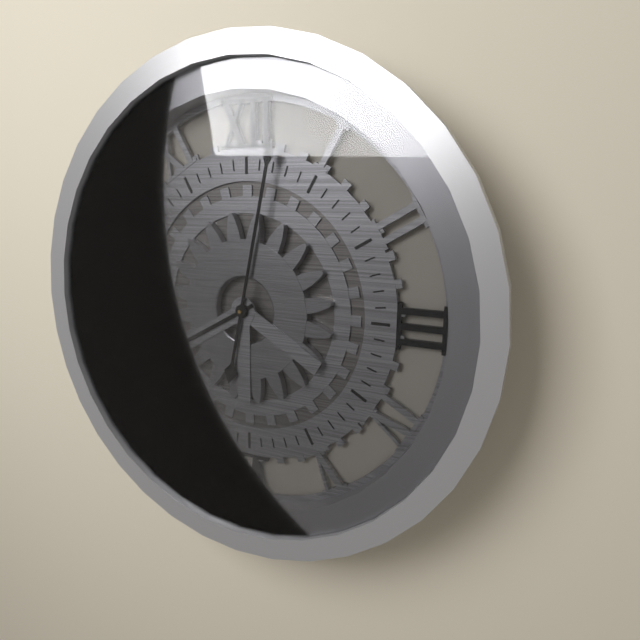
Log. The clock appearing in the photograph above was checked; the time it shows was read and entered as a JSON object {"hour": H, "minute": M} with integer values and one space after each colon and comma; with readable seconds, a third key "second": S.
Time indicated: {"hour": 8, "minute": 2}
